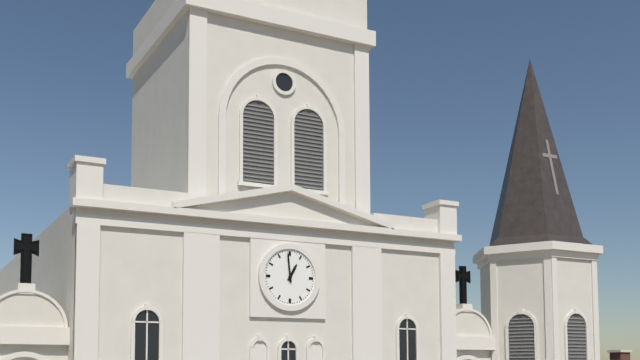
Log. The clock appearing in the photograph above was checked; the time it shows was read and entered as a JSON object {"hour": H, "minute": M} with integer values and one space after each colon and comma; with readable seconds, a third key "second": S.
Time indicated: {"hour": 12, "minute": 59}
